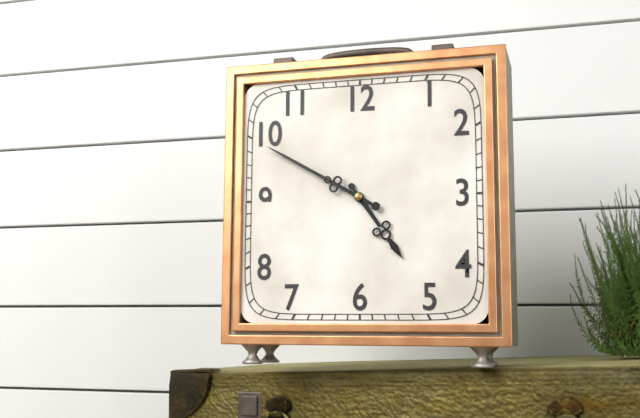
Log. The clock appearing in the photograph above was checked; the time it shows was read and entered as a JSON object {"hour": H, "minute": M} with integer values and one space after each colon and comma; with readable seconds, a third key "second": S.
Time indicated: {"hour": 4, "minute": 50}
